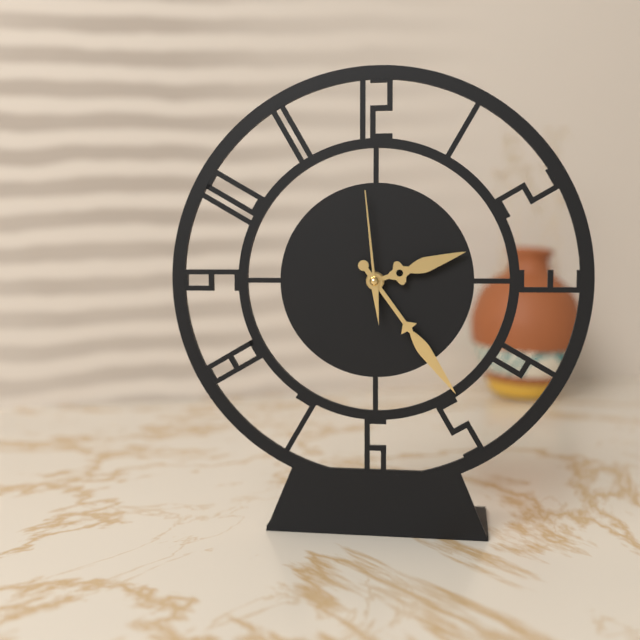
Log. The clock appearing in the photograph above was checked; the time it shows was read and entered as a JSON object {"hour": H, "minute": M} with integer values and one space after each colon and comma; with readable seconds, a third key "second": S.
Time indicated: {"hour": 2, "minute": 24, "second": 59}
